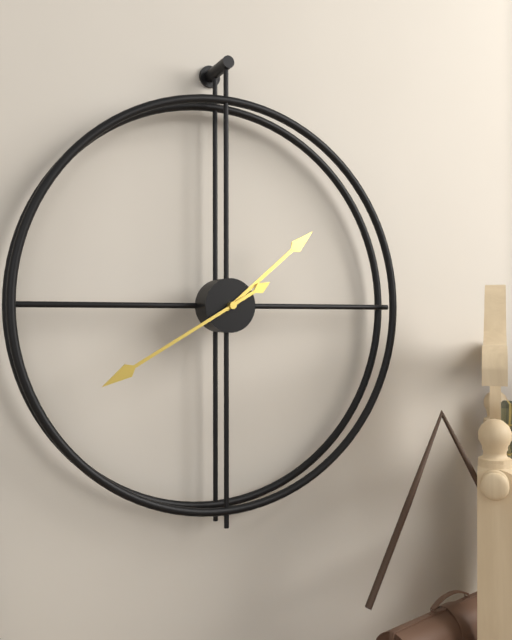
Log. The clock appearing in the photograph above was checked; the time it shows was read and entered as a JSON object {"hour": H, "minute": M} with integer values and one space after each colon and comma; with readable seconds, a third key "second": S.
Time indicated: {"hour": 1, "minute": 40}
